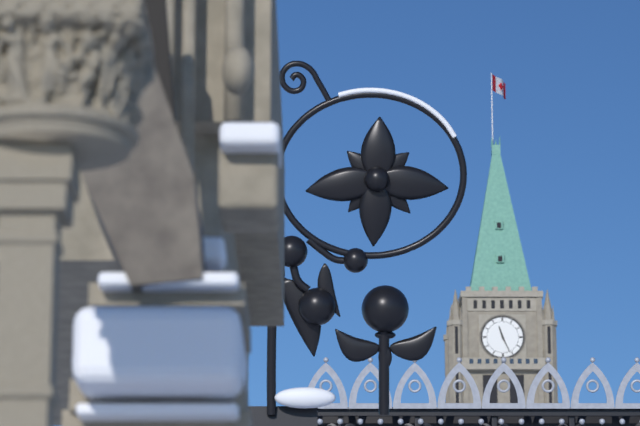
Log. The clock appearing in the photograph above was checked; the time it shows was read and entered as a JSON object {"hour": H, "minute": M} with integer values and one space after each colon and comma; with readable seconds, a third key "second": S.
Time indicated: {"hour": 11, "minute": 26}
